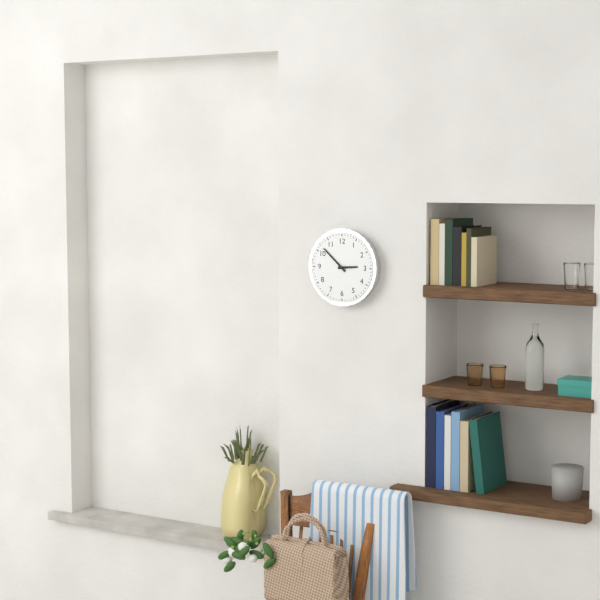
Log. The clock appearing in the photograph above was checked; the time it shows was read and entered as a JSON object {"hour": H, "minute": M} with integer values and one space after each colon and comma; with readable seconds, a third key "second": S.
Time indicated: {"hour": 2, "minute": 52}
